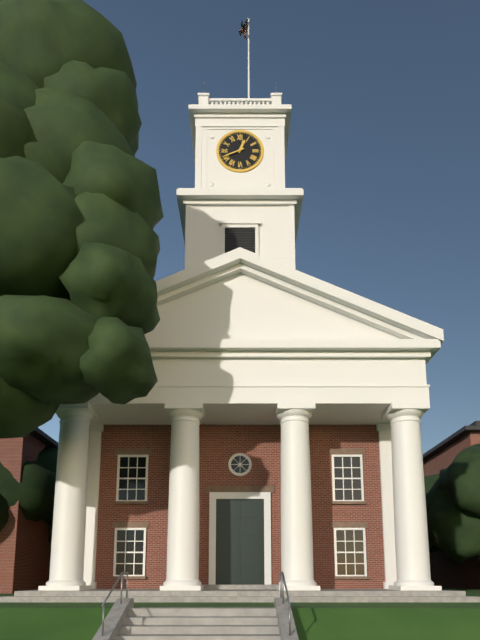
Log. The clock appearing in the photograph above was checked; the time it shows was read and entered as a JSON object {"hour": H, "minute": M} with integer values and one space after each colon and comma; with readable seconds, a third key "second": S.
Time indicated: {"hour": 12, "minute": 41}
